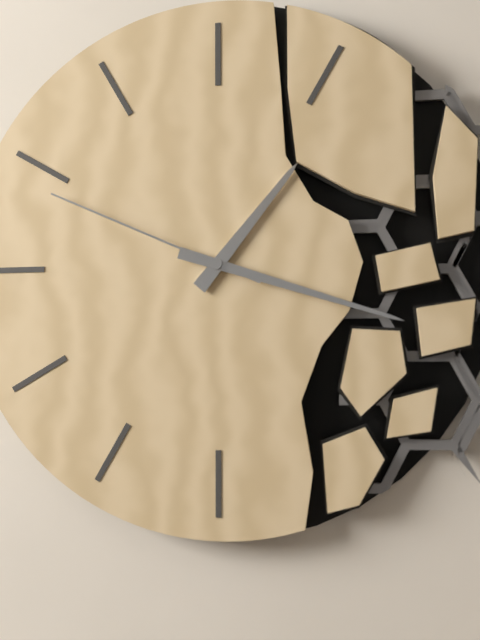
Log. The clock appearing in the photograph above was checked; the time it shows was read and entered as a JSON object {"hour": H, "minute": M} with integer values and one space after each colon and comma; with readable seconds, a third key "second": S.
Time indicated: {"hour": 1, "minute": 18, "second": 49}
